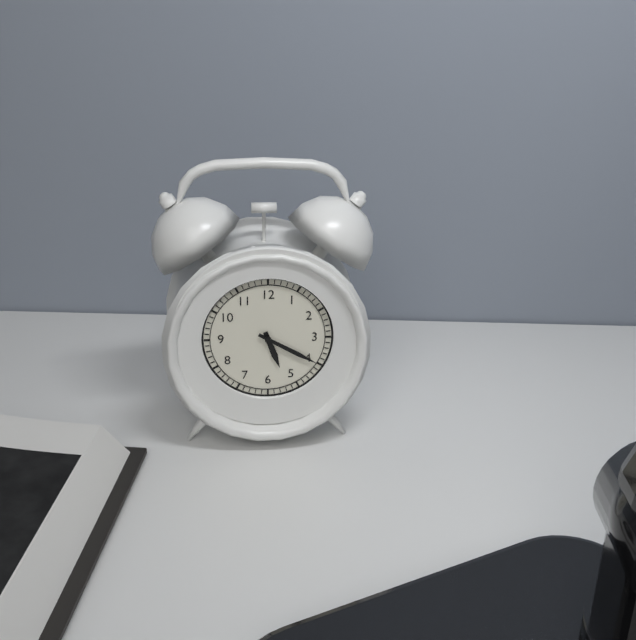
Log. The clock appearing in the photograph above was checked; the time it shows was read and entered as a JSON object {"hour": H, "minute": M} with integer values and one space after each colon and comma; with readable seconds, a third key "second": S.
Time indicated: {"hour": 5, "minute": 20}
